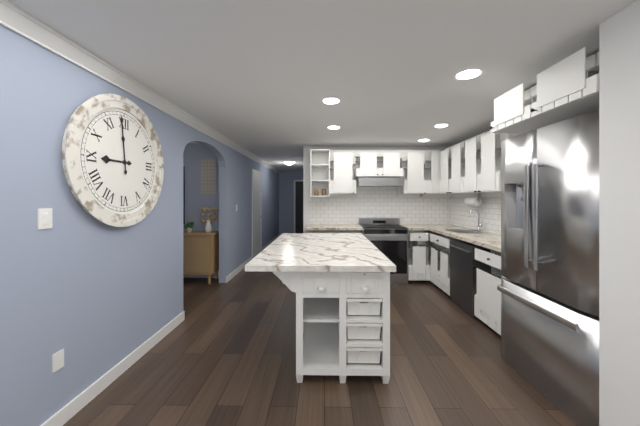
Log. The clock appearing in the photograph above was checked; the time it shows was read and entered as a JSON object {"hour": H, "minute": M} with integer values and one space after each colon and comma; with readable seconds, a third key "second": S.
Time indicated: {"hour": 8, "minute": 59}
